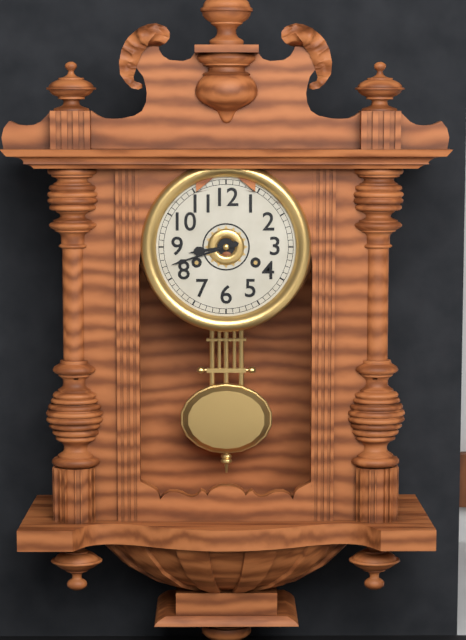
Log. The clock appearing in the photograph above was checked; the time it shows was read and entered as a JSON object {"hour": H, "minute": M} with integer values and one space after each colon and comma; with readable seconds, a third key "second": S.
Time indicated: {"hour": 8, "minute": 42}
